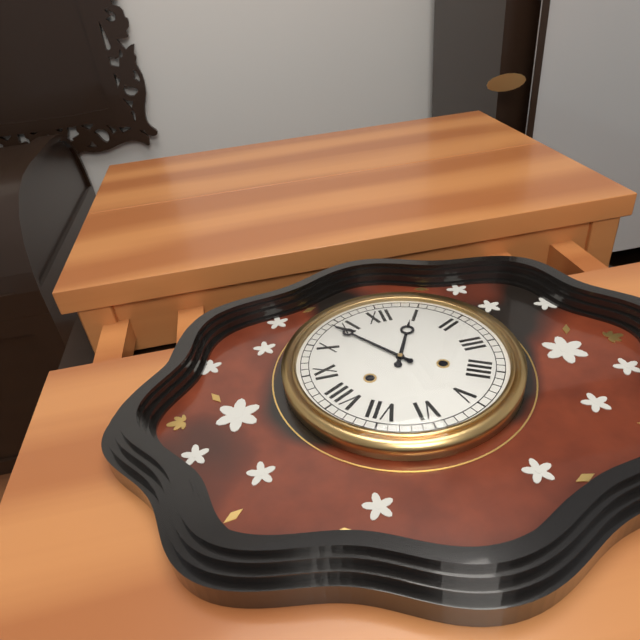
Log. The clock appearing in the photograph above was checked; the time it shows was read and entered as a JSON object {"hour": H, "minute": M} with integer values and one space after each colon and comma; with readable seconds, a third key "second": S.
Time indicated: {"hour": 12, "minute": 54}
